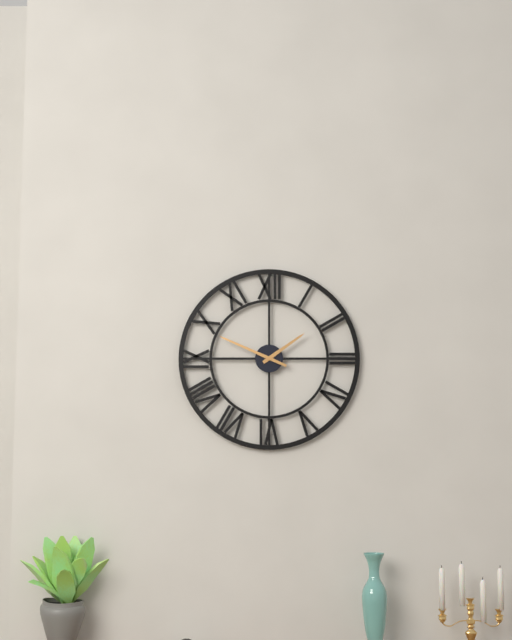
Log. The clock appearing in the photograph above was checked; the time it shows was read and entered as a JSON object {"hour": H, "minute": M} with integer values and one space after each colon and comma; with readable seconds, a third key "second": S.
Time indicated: {"hour": 1, "minute": 49}
